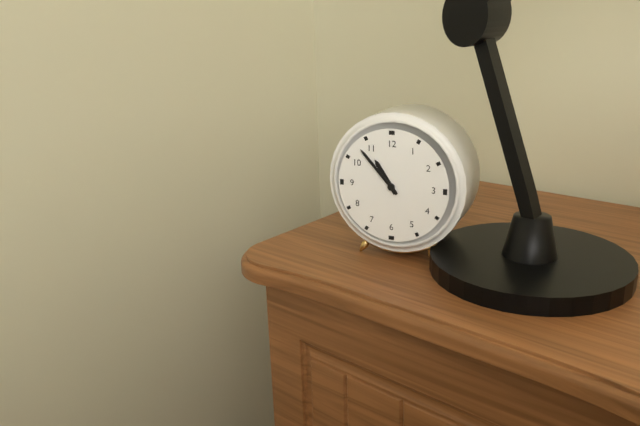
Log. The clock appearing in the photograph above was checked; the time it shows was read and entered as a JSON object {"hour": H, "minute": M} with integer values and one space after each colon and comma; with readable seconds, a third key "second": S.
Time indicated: {"hour": 10, "minute": 53}
